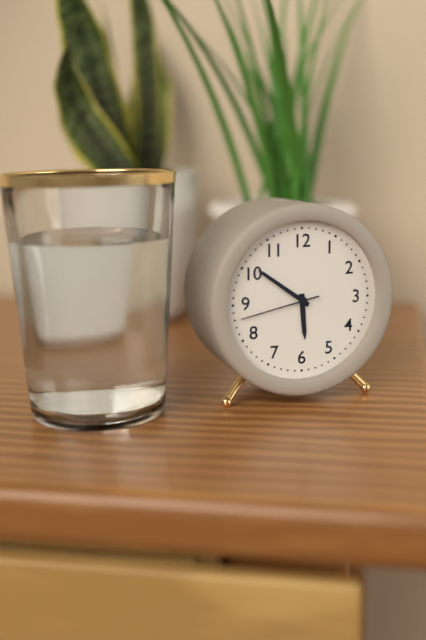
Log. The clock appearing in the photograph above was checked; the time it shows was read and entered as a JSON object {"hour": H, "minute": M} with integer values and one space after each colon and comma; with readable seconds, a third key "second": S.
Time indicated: {"hour": 5, "minute": 51, "second": 43}
